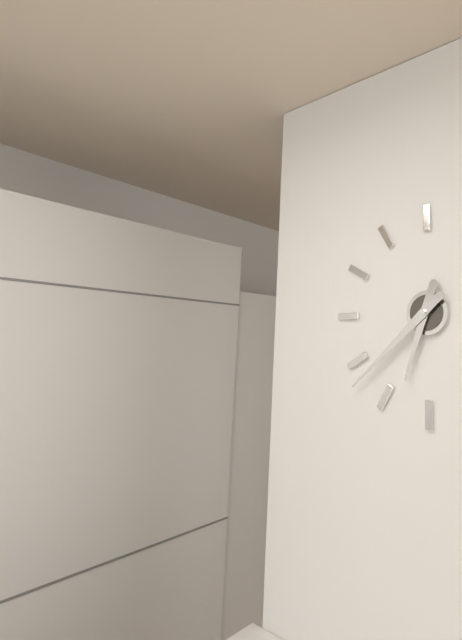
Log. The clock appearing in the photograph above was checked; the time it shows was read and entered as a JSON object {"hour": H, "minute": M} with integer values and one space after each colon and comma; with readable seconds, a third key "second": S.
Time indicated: {"hour": 6, "minute": 38}
